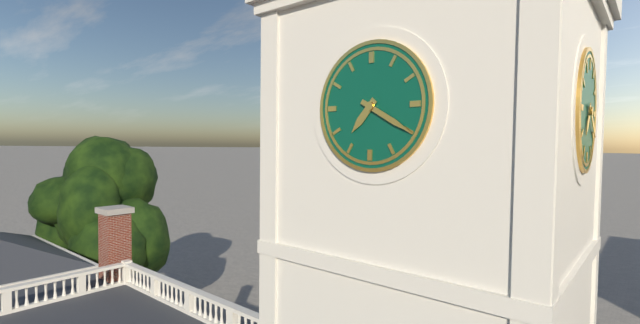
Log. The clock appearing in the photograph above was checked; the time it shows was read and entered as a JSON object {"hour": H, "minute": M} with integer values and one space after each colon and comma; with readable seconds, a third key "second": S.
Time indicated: {"hour": 7, "minute": 20}
